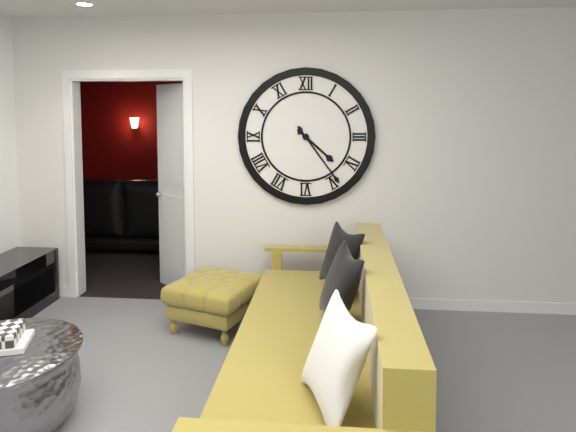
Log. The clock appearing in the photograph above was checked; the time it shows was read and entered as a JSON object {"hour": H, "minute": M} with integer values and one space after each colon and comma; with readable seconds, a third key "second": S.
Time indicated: {"hour": 4, "minute": 24}
